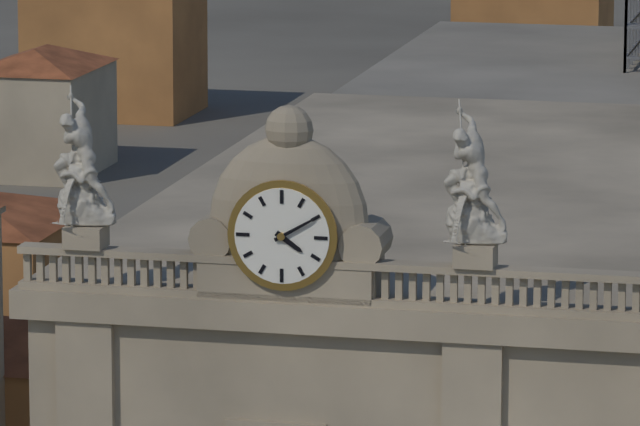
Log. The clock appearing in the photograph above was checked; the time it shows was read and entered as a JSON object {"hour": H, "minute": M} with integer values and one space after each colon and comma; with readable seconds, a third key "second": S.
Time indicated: {"hour": 4, "minute": 10}
